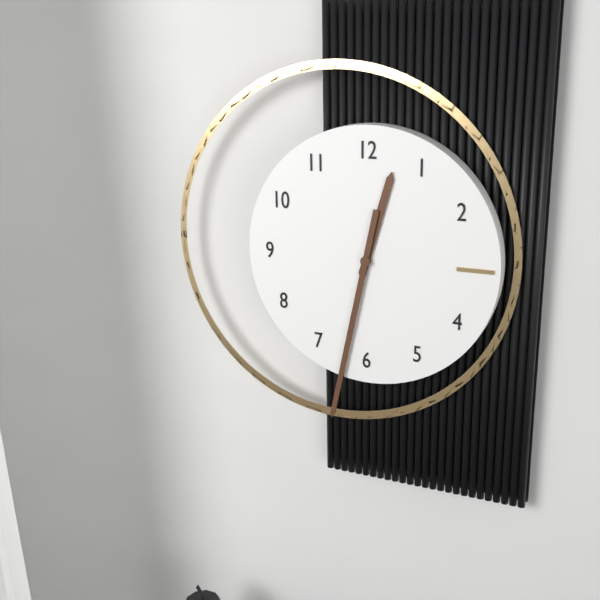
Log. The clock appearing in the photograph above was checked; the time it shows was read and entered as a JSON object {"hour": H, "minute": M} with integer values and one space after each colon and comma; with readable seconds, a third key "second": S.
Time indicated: {"hour": 12, "minute": 32}
